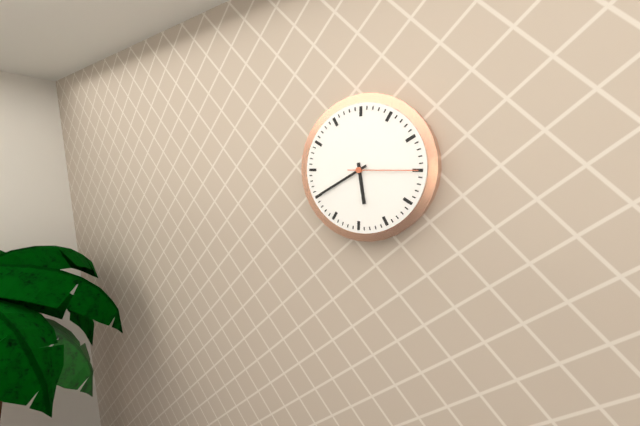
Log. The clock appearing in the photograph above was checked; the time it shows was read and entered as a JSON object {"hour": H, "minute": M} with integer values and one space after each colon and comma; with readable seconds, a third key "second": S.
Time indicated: {"hour": 5, "minute": 40, "second": 15}
